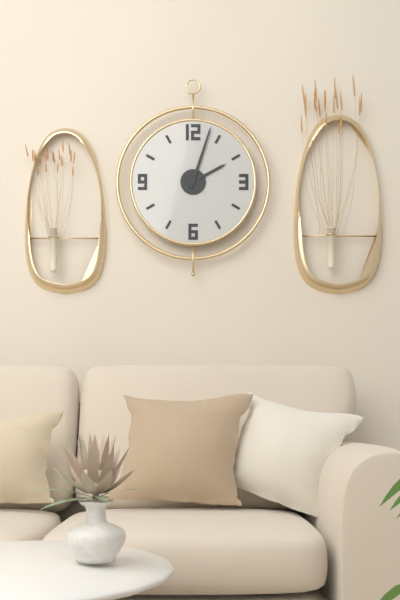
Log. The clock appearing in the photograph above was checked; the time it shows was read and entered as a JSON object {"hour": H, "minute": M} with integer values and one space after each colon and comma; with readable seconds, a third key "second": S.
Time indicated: {"hour": 2, "minute": 3}
